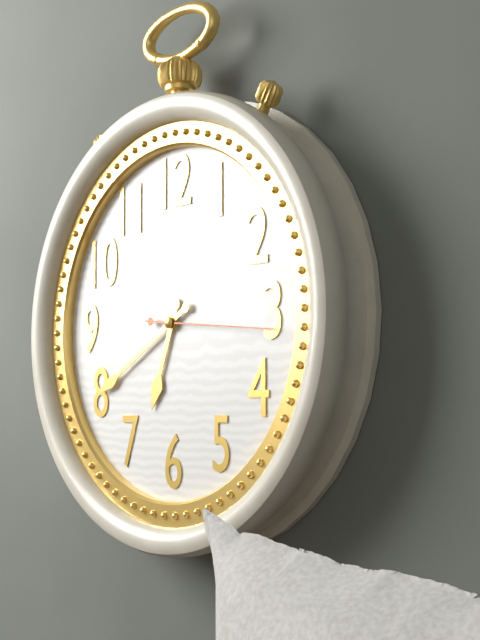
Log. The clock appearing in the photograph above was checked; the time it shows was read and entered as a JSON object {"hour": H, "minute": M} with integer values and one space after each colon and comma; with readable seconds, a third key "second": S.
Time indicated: {"hour": 6, "minute": 40, "second": 16}
